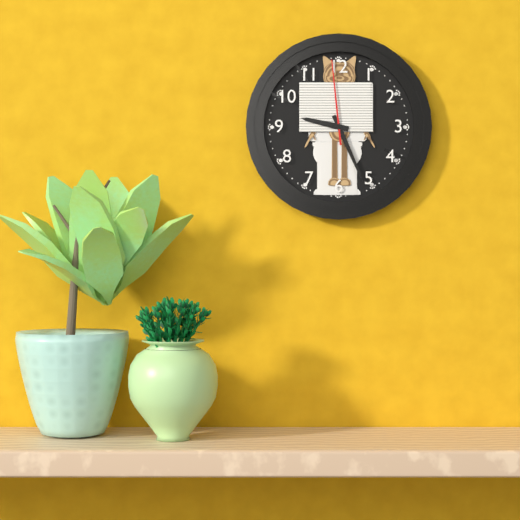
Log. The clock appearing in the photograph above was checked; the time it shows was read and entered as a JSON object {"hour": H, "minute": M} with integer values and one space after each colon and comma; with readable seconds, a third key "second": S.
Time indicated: {"hour": 9, "minute": 26, "second": 59}
